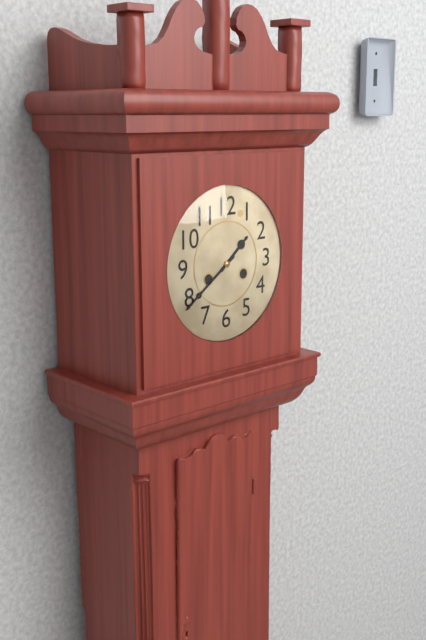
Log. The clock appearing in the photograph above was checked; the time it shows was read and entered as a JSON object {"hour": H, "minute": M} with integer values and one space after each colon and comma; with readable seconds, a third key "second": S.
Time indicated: {"hour": 1, "minute": 39}
